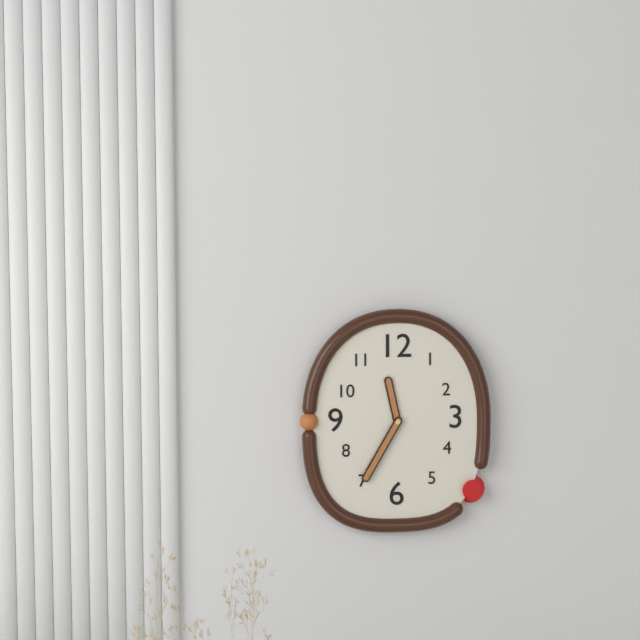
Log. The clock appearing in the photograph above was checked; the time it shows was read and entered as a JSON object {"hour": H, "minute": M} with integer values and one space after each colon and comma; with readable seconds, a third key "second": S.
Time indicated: {"hour": 11, "minute": 35}
